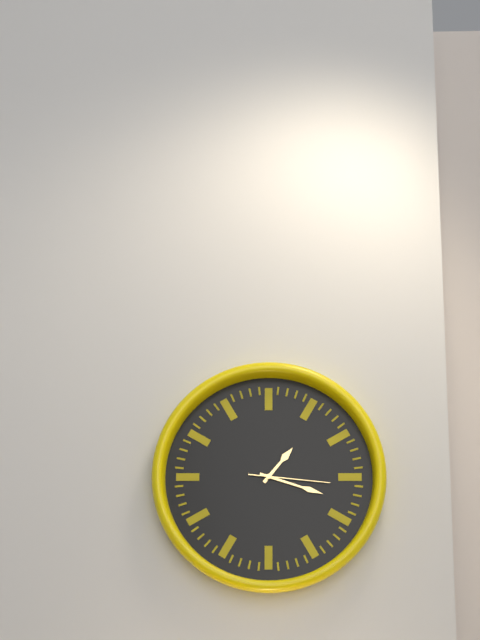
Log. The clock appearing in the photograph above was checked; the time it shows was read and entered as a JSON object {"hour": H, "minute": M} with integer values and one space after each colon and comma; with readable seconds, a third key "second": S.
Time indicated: {"hour": 1, "minute": 18, "second": 16}
